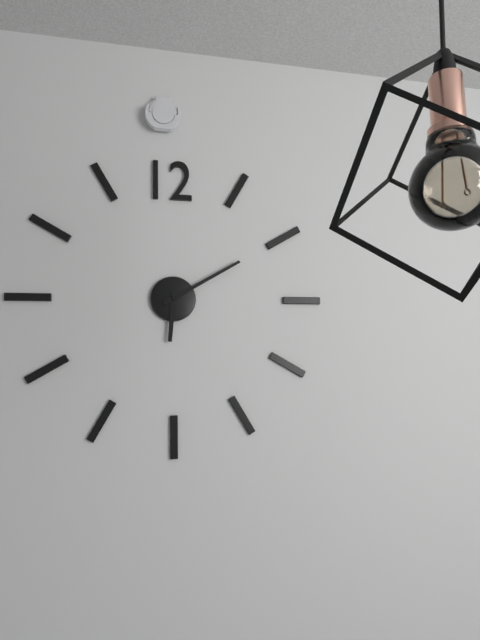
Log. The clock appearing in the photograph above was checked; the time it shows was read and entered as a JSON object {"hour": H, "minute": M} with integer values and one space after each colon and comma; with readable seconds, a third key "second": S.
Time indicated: {"hour": 6, "minute": 10}
